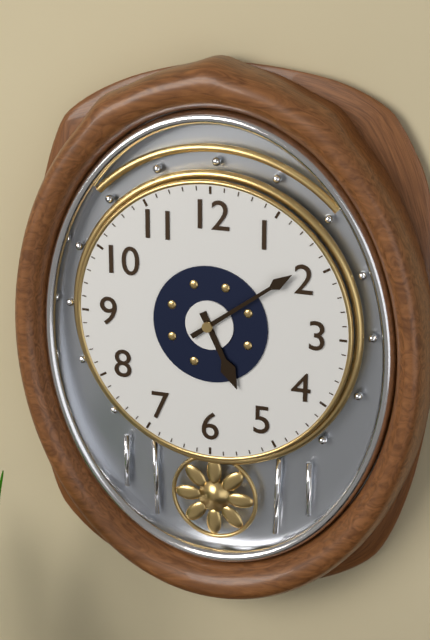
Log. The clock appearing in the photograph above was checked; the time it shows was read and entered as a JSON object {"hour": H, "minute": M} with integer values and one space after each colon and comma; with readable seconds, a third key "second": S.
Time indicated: {"hour": 5, "minute": 9}
